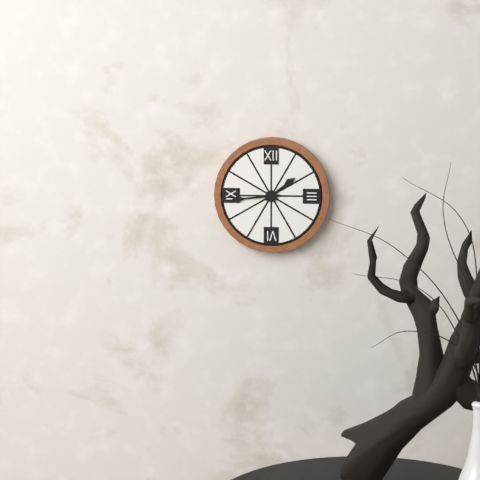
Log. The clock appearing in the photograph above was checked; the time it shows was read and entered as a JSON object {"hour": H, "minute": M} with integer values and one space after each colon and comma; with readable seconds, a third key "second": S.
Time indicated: {"hour": 1, "minute": 44}
